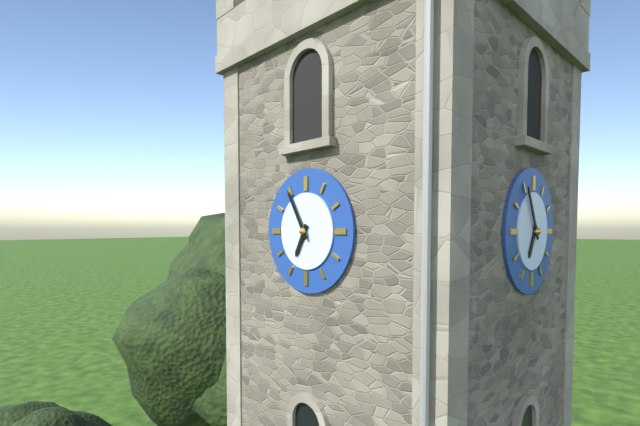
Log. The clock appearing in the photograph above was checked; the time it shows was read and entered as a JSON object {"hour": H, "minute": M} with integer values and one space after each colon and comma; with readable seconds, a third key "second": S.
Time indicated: {"hour": 6, "minute": 55}
